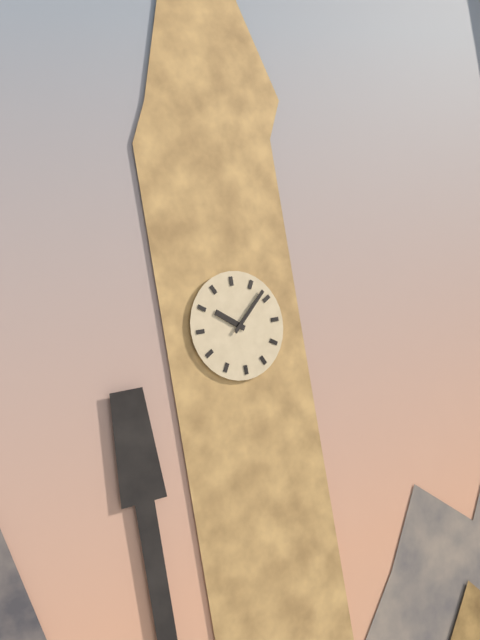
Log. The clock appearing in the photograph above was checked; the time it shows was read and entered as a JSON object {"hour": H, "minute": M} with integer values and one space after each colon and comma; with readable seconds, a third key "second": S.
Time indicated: {"hour": 10, "minute": 8}
